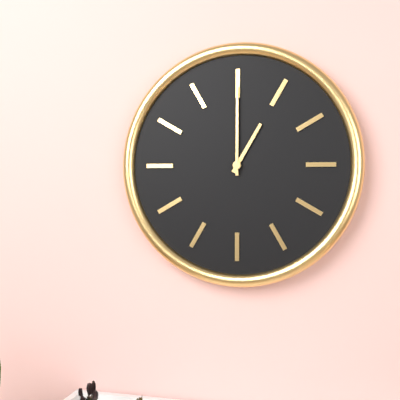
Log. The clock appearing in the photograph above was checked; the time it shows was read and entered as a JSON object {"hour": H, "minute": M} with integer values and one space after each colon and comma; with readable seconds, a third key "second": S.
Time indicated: {"hour": 1, "minute": 0}
